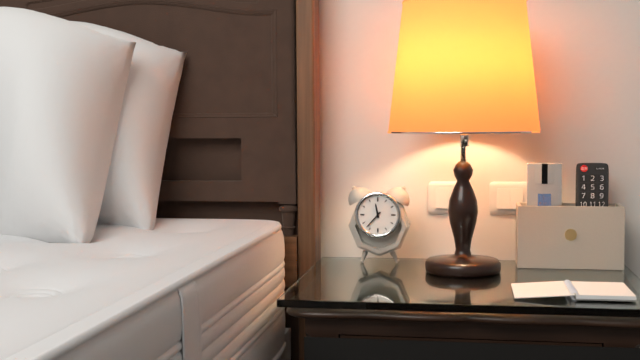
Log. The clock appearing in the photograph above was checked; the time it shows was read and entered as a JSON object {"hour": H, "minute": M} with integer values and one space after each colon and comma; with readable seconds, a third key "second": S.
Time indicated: {"hour": 11, "minute": 37}
